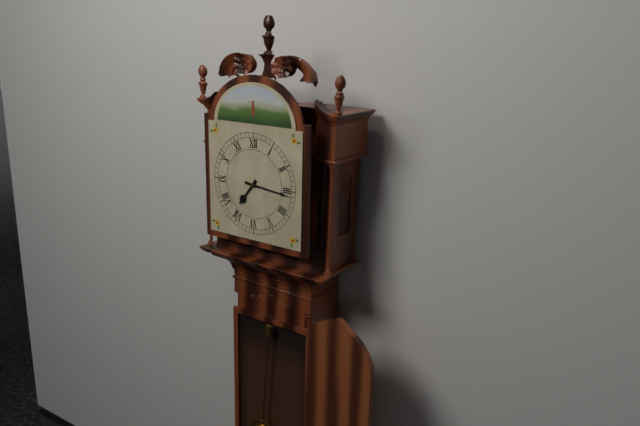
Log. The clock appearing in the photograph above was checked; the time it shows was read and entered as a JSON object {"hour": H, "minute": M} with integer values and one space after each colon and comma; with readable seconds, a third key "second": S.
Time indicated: {"hour": 7, "minute": 16}
